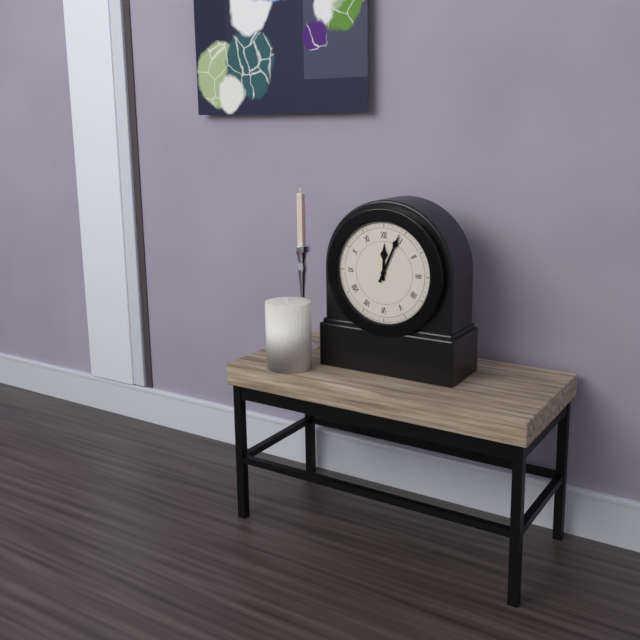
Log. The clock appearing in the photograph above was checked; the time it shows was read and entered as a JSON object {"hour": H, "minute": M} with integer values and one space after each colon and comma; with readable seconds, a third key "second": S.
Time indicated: {"hour": 12, "minute": 4}
